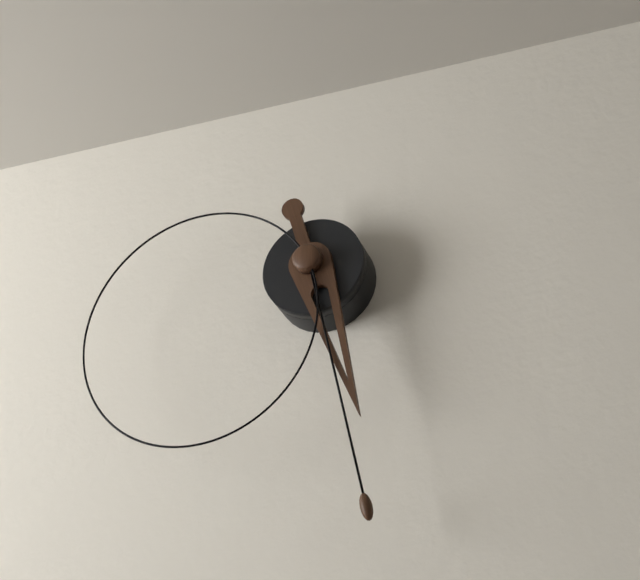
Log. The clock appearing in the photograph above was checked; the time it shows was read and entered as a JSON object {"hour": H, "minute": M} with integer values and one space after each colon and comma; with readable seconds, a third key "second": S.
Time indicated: {"hour": 5, "minute": 28, "second": 41}
